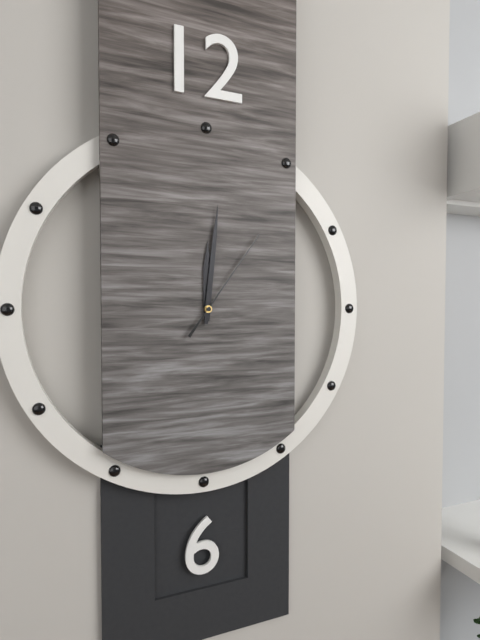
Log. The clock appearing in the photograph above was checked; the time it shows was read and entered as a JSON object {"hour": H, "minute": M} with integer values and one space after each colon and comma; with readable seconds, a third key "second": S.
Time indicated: {"hour": 12, "minute": 1, "second": 6}
